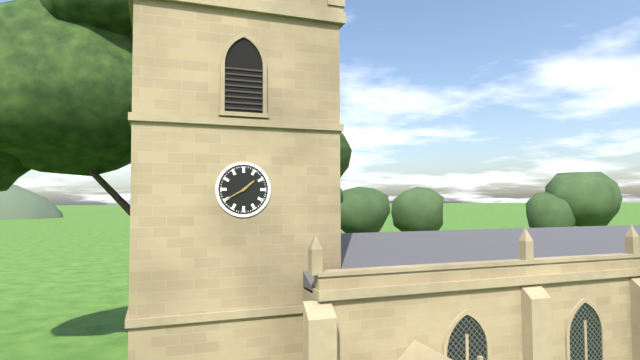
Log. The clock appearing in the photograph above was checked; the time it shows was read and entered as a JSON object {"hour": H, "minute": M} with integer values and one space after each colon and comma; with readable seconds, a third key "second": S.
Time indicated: {"hour": 1, "minute": 40}
